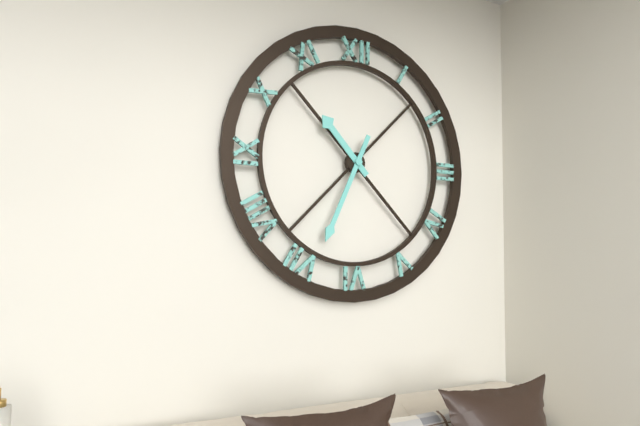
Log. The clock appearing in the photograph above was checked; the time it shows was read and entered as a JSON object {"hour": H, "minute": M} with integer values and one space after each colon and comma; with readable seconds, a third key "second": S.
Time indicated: {"hour": 10, "minute": 34}
